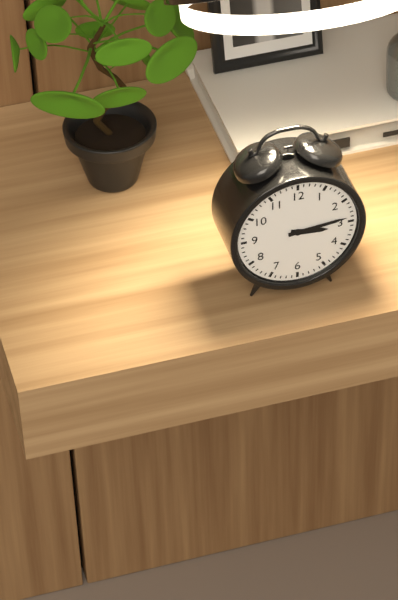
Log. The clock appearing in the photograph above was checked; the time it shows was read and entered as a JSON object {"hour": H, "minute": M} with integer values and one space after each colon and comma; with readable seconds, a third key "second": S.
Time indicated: {"hour": 3, "minute": 14}
